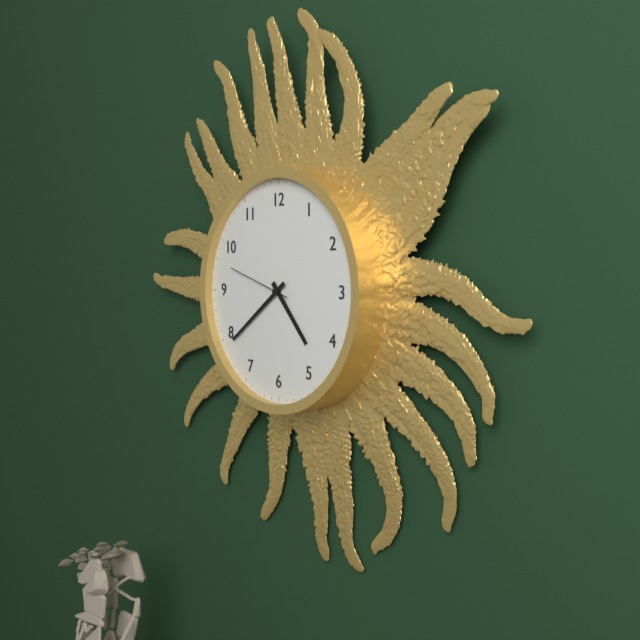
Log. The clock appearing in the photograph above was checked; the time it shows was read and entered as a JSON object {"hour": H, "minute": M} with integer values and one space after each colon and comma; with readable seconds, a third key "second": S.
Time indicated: {"hour": 4, "minute": 39, "second": 48}
